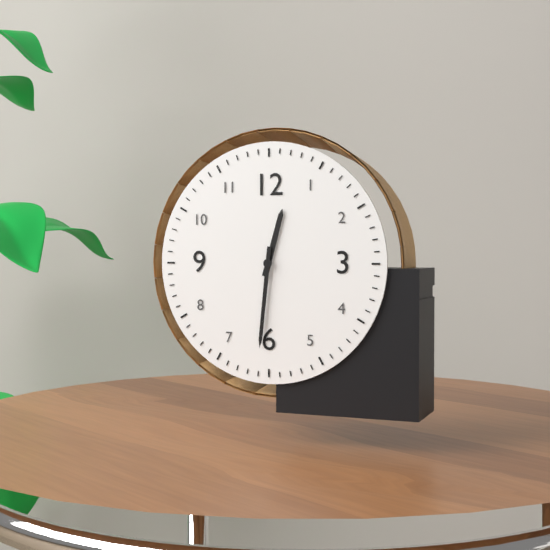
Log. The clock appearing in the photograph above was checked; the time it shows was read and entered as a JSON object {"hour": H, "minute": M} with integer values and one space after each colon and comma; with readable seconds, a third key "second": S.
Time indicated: {"hour": 12, "minute": 31}
